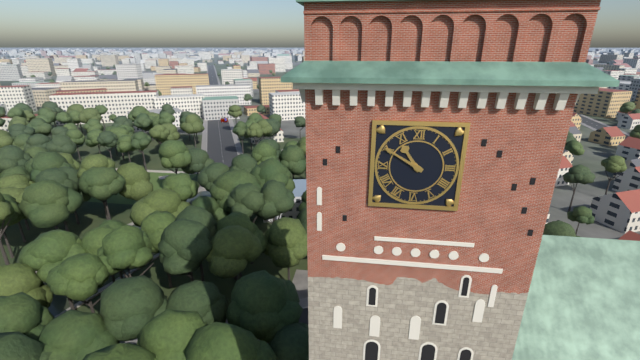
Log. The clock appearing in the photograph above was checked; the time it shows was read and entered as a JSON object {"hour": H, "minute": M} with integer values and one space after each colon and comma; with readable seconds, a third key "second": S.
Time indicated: {"hour": 10, "minute": 50}
